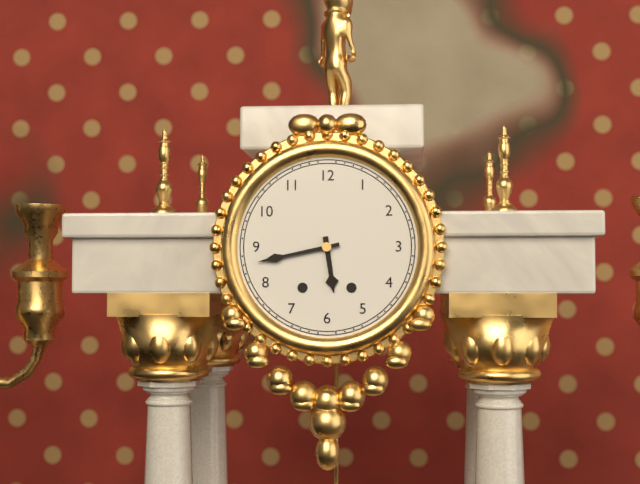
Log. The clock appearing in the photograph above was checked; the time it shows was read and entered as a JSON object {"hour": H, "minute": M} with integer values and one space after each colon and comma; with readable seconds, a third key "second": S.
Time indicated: {"hour": 5, "minute": 43}
